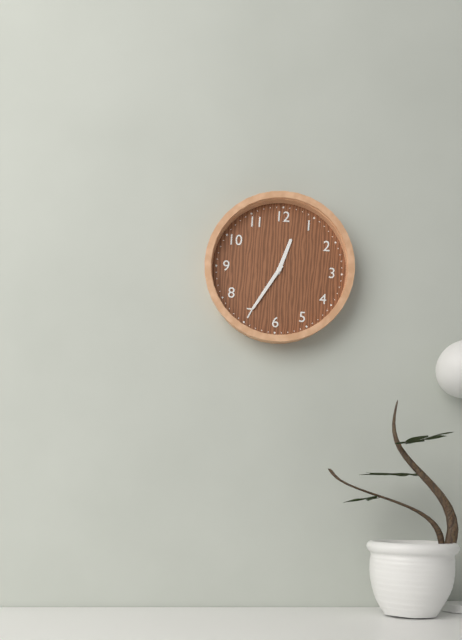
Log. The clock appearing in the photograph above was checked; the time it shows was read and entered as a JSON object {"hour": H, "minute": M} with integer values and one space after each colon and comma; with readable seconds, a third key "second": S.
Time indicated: {"hour": 12, "minute": 35}
